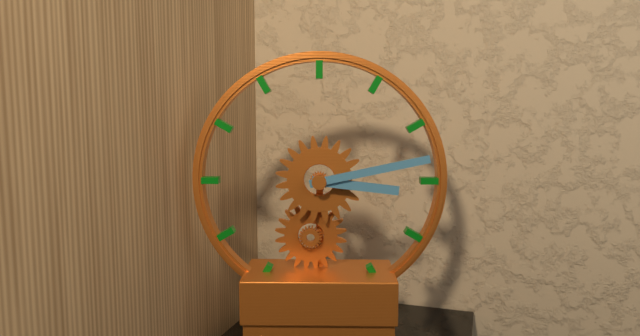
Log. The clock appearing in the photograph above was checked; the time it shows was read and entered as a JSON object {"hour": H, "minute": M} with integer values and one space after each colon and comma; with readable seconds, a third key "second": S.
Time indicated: {"hour": 3, "minute": 13}
